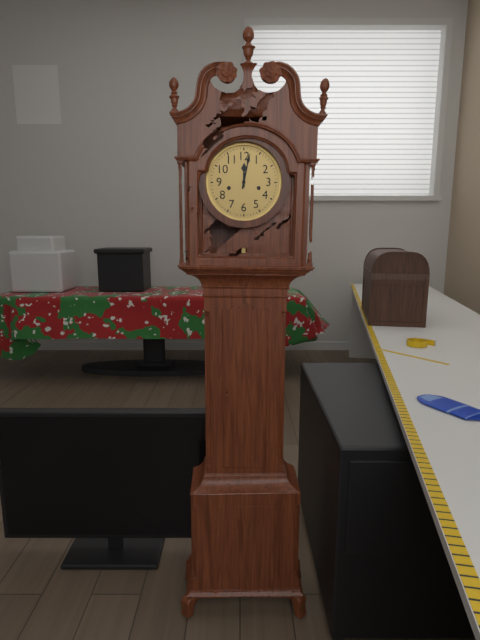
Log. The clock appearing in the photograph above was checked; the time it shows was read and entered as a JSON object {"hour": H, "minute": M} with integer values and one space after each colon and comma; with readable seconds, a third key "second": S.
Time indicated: {"hour": 12, "minute": 2}
